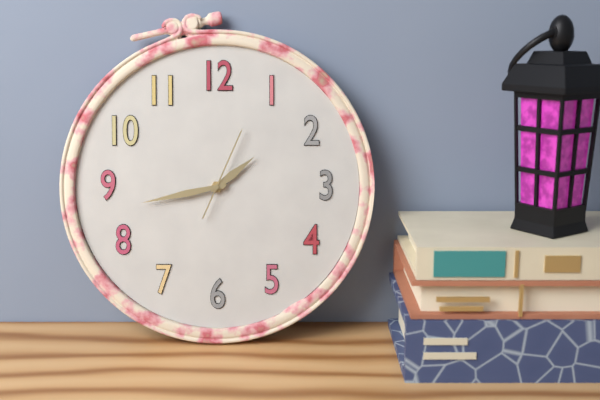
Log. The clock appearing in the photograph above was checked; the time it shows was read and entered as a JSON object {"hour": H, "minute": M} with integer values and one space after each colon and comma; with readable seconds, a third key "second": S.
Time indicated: {"hour": 1, "minute": 43, "second": 4}
